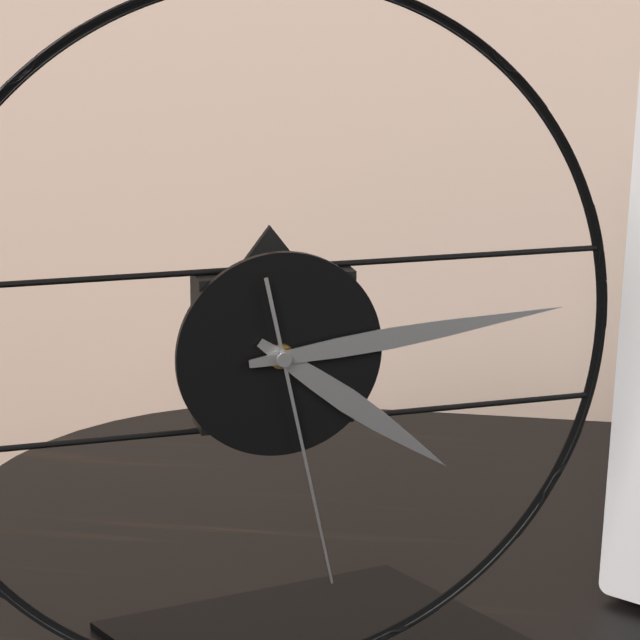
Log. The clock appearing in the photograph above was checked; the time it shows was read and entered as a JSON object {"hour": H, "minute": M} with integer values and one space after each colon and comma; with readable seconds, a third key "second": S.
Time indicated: {"hour": 4, "minute": 14, "second": 28}
